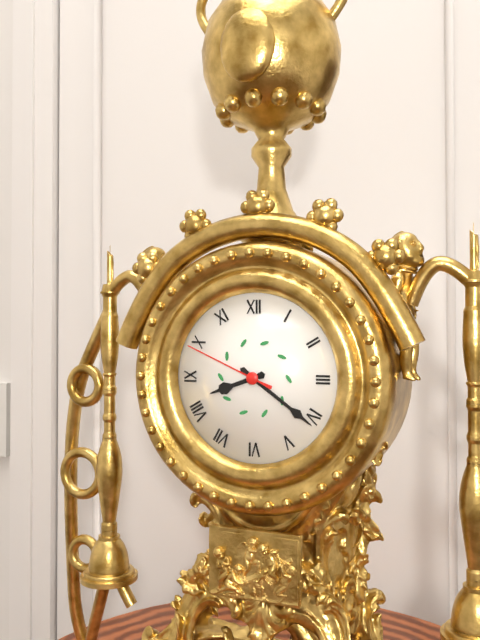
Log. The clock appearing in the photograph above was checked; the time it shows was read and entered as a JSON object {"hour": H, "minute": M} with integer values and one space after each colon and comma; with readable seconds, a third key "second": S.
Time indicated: {"hour": 8, "minute": 21, "second": 49}
